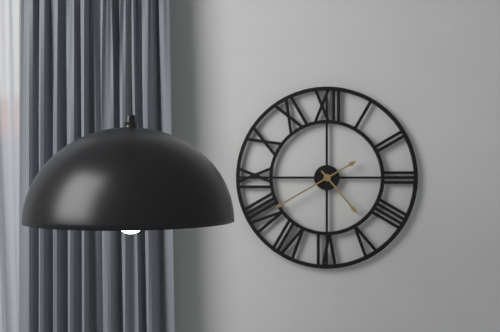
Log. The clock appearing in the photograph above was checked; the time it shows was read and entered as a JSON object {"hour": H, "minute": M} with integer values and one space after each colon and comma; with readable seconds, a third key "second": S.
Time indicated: {"hour": 4, "minute": 40}
